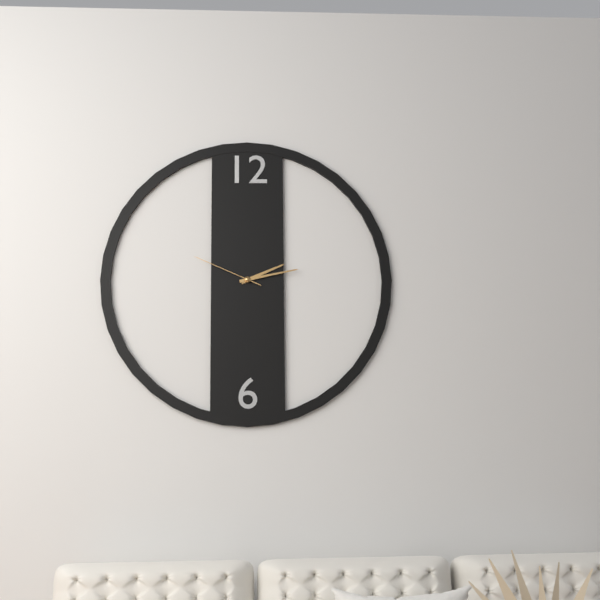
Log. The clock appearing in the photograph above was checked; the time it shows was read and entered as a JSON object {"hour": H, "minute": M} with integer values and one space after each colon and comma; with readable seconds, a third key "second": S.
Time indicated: {"hour": 2, "minute": 13, "second": 49}
